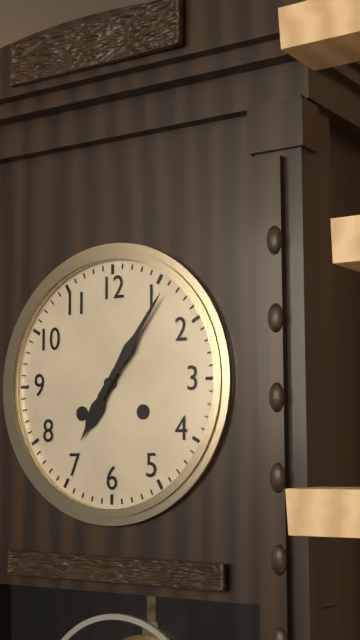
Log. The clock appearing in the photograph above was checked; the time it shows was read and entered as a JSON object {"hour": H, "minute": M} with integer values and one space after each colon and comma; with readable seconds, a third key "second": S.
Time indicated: {"hour": 7, "minute": 6}
